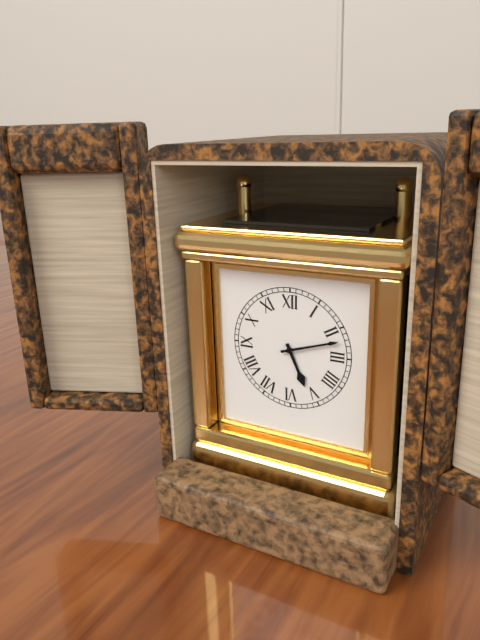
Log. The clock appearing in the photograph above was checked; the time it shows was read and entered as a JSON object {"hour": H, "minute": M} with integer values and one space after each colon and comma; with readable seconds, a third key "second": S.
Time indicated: {"hour": 5, "minute": 12}
